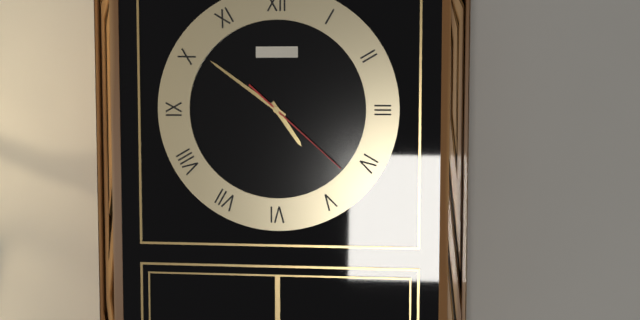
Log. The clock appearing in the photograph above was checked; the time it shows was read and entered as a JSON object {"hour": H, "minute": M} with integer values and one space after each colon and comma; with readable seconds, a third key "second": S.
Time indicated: {"hour": 4, "minute": 51, "second": 22}
